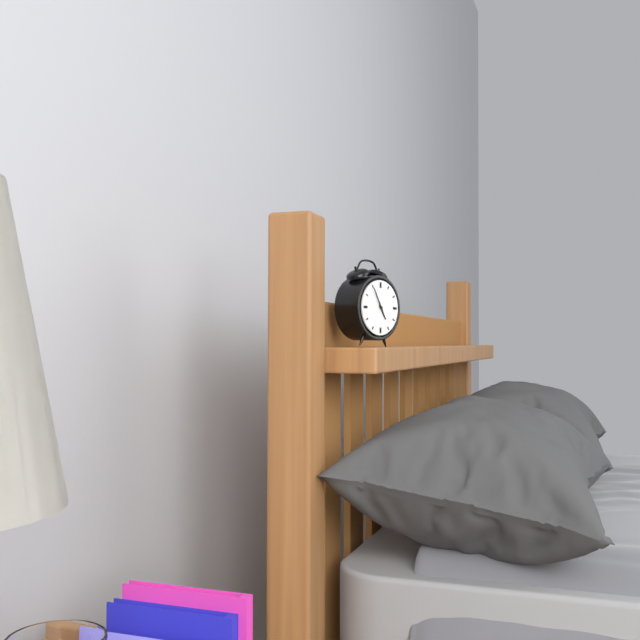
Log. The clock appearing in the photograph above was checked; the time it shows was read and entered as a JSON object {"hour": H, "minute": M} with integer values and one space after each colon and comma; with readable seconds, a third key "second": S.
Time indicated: {"hour": 4, "minute": 55}
